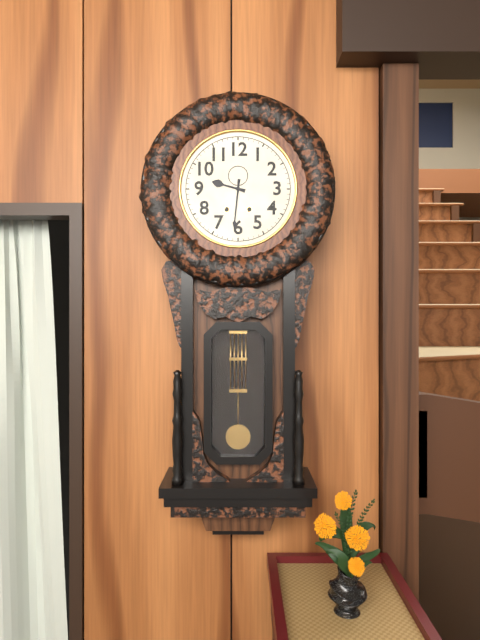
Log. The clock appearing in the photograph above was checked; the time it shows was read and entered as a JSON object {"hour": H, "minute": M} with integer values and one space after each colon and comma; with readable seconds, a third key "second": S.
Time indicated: {"hour": 9, "minute": 31}
